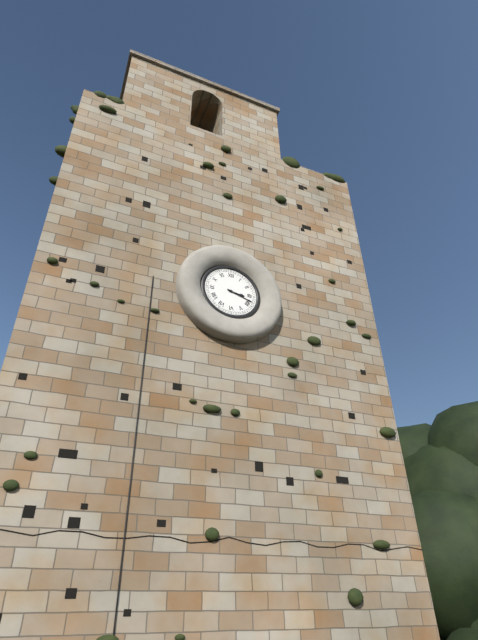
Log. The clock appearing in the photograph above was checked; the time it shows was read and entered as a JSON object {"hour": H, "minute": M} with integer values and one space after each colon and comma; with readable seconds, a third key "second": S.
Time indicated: {"hour": 3, "minute": 18}
